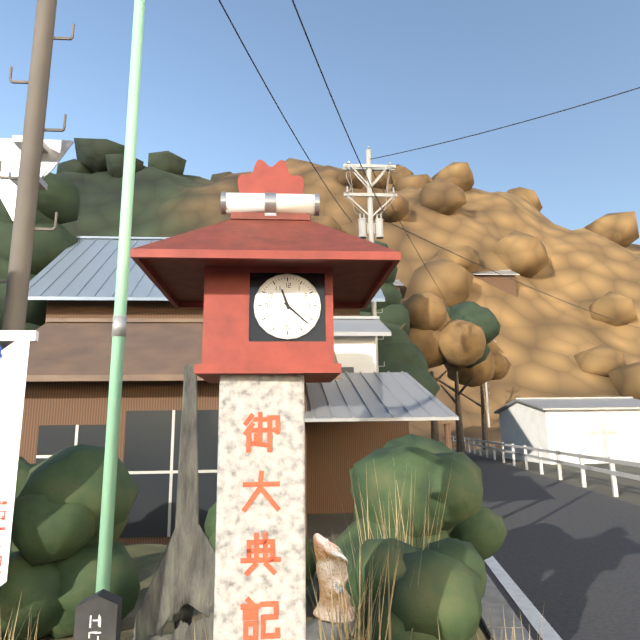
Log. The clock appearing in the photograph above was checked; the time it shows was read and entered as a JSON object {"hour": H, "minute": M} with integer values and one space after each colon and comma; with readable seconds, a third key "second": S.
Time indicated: {"hour": 11, "minute": 22}
